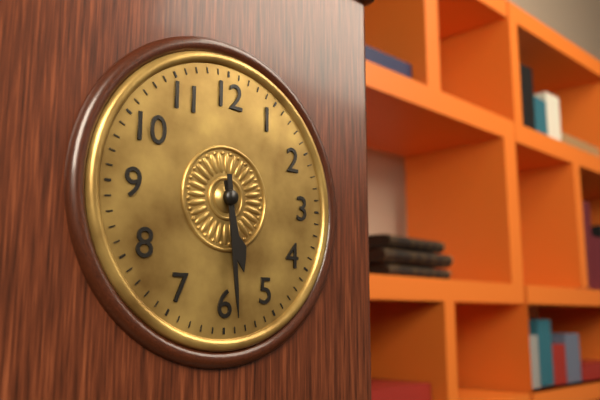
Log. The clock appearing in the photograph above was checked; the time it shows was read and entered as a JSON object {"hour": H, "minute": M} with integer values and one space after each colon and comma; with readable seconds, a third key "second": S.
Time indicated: {"hour": 5, "minute": 29}
